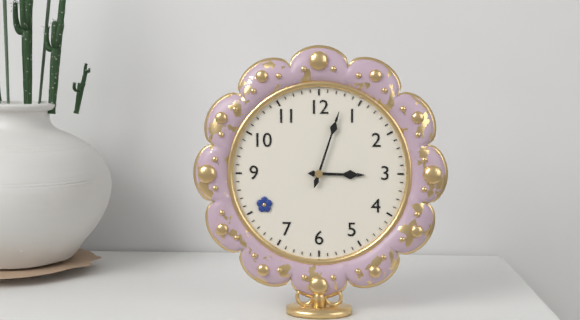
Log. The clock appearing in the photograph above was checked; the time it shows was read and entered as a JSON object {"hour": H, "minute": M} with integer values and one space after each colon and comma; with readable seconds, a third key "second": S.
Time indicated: {"hour": 3, "minute": 3}
